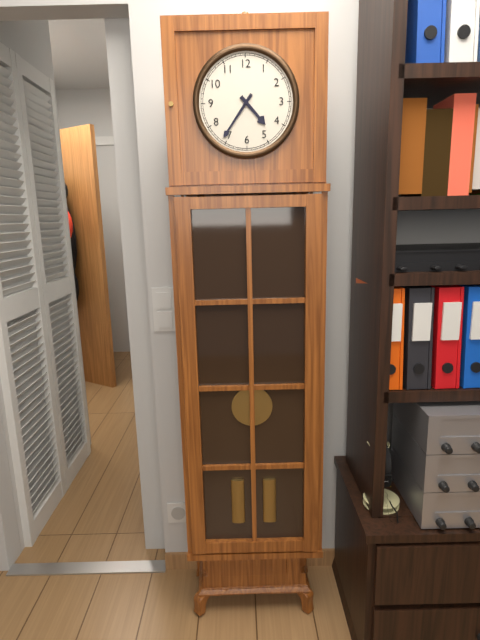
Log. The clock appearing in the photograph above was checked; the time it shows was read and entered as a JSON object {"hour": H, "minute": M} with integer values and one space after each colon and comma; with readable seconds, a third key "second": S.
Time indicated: {"hour": 4, "minute": 36}
